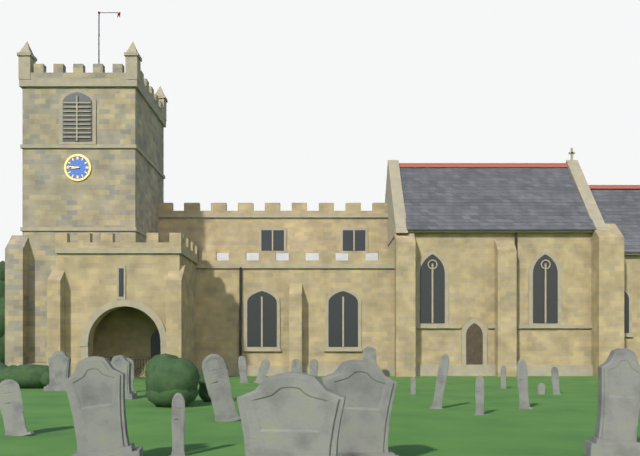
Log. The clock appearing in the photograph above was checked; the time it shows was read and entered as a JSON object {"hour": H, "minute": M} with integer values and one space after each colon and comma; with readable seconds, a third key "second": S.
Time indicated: {"hour": 8, "minute": 46}
